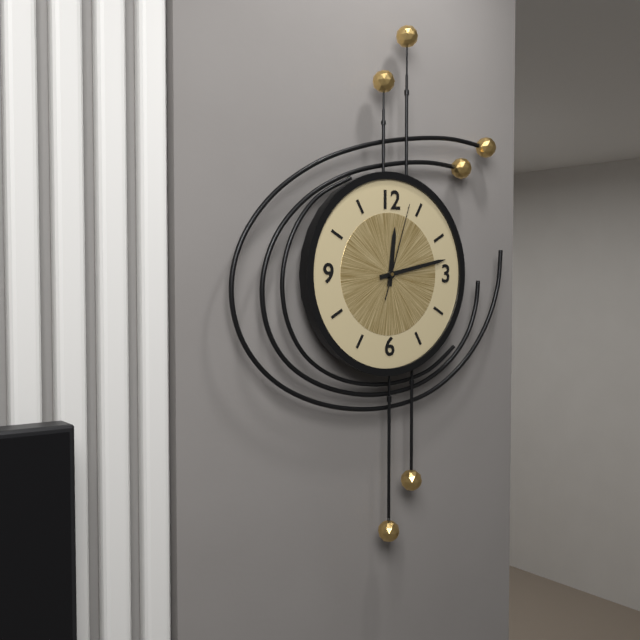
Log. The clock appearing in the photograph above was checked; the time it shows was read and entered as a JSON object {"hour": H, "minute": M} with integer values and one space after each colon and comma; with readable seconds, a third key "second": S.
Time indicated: {"hour": 12, "minute": 13, "second": 3}
